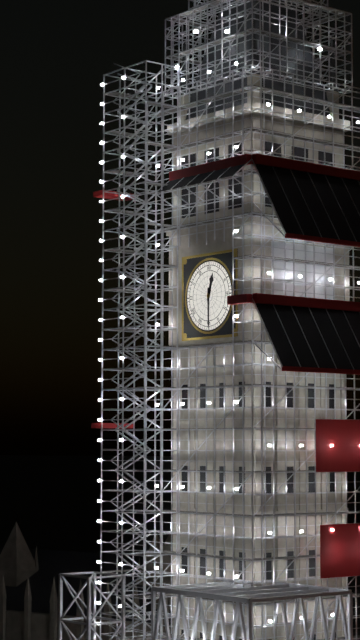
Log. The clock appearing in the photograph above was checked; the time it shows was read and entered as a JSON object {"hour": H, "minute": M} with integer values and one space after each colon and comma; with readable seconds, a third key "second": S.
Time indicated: {"hour": 12, "minute": 30}
